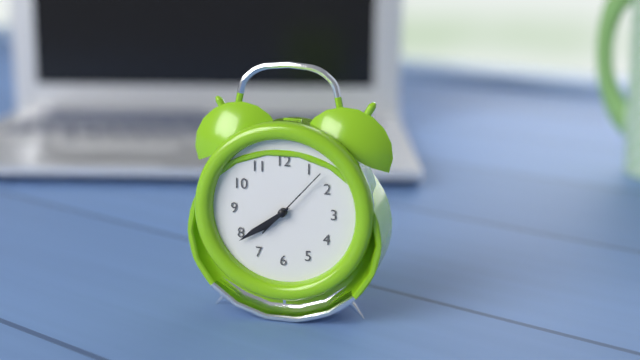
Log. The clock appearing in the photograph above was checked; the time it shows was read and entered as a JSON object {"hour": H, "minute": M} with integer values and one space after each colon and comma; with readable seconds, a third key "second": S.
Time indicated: {"hour": 7, "minute": 39, "second": 7}
